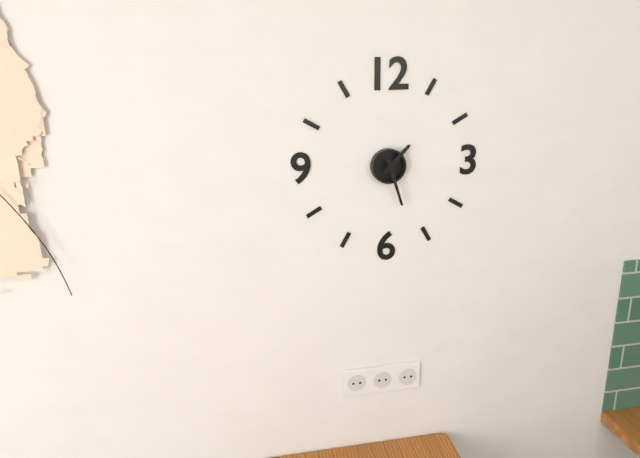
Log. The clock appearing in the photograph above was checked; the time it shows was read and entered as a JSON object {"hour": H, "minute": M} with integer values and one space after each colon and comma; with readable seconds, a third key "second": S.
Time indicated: {"hour": 1, "minute": 27}
